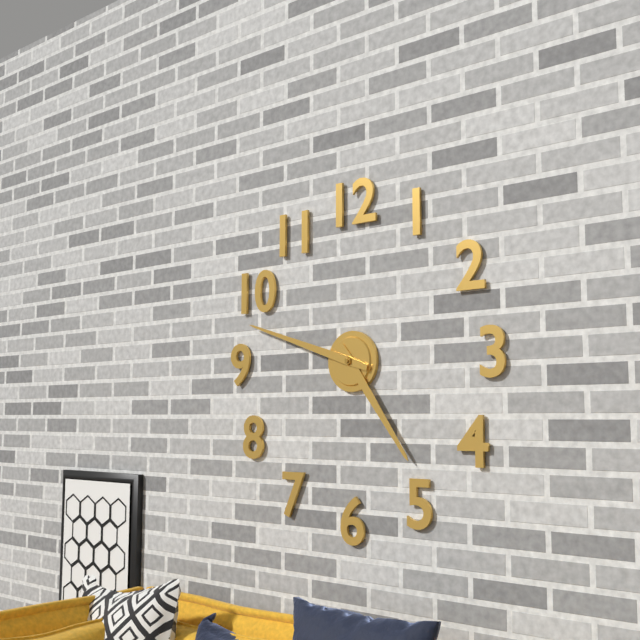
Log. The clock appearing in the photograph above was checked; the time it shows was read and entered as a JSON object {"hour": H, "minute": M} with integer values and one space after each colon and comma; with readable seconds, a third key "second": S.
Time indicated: {"hour": 4, "minute": 48}
